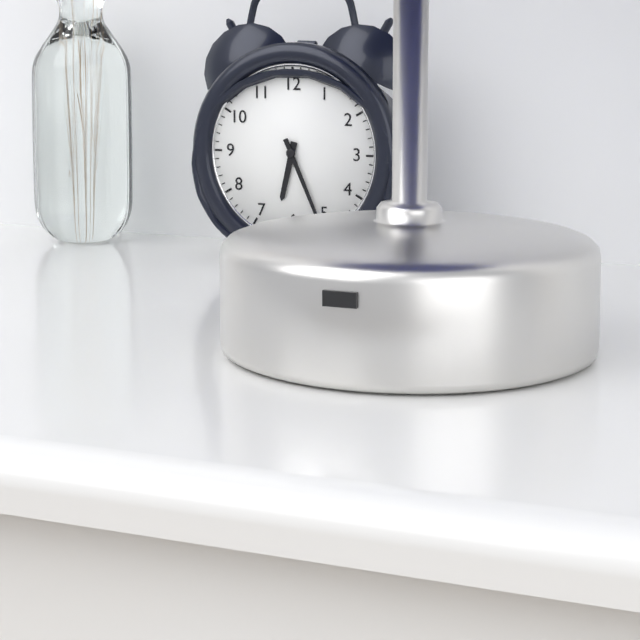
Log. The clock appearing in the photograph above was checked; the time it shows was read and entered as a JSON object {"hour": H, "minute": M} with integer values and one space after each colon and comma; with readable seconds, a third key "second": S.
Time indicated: {"hour": 6, "minute": 26}
